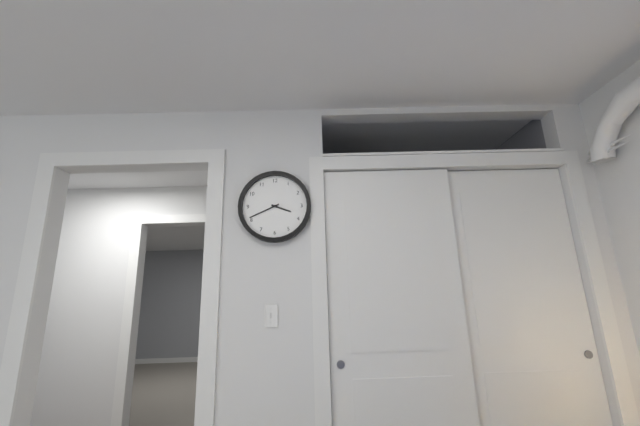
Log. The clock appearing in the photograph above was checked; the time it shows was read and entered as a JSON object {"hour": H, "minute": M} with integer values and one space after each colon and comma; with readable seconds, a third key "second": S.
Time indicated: {"hour": 3, "minute": 41}
